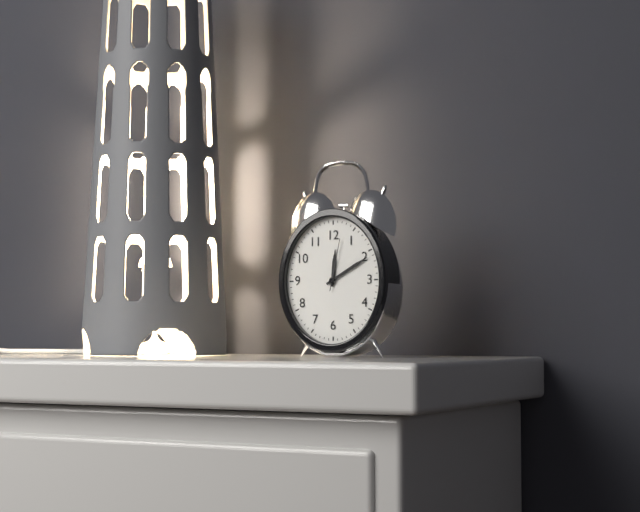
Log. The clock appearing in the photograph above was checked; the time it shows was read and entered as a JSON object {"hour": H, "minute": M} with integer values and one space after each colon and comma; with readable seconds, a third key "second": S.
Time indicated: {"hour": 12, "minute": 10, "second": 2}
